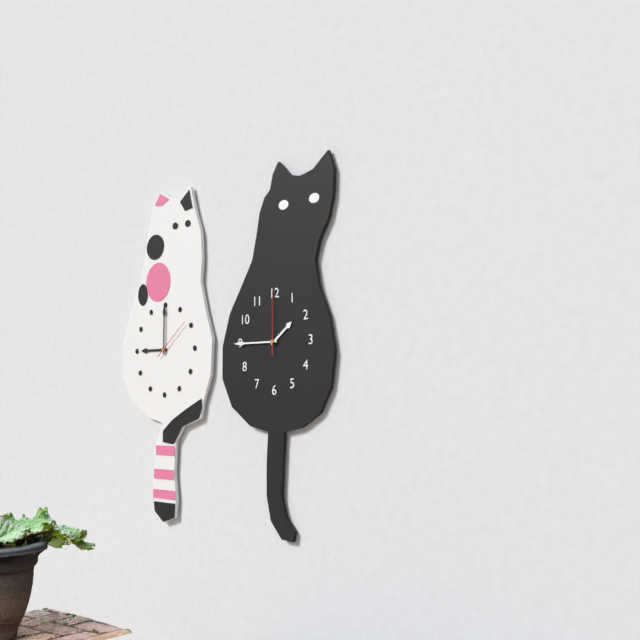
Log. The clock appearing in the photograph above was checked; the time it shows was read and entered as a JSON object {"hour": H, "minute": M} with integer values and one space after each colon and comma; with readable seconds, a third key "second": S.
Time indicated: {"hour": 1, "minute": 45, "second": 0}
